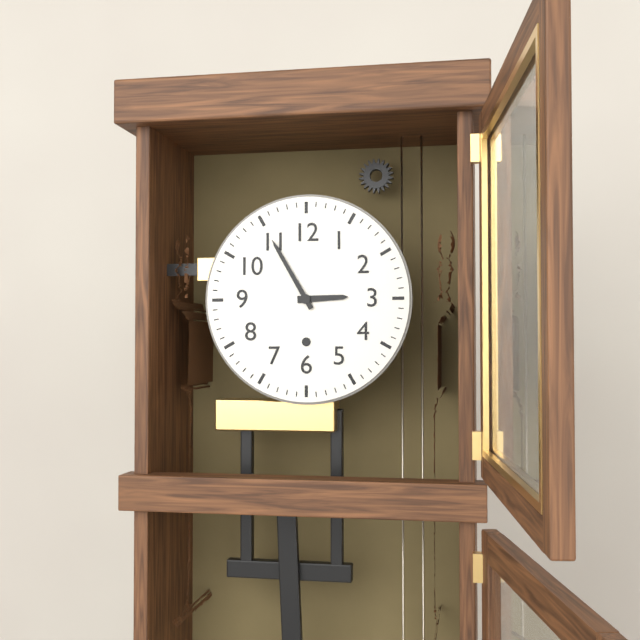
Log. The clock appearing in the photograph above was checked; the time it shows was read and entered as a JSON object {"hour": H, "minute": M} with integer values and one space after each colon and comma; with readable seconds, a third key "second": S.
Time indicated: {"hour": 2, "minute": 55}
